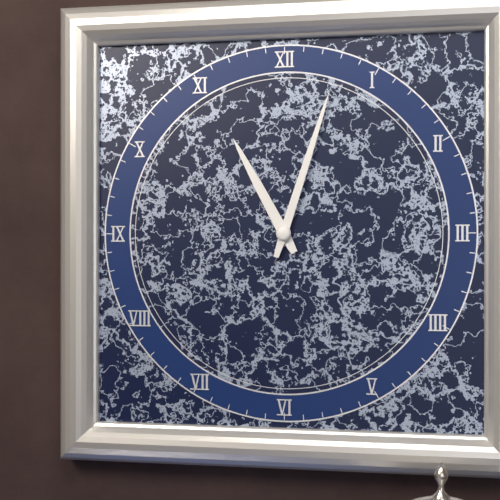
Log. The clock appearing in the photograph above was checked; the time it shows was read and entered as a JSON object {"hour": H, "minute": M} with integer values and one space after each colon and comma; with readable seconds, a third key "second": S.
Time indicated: {"hour": 11, "minute": 3}
